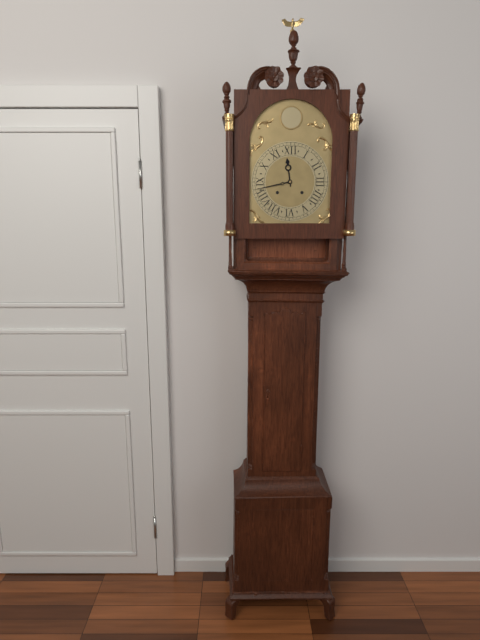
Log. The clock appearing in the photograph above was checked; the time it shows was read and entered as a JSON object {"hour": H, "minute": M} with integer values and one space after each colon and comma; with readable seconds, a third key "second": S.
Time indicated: {"hour": 11, "minute": 43}
